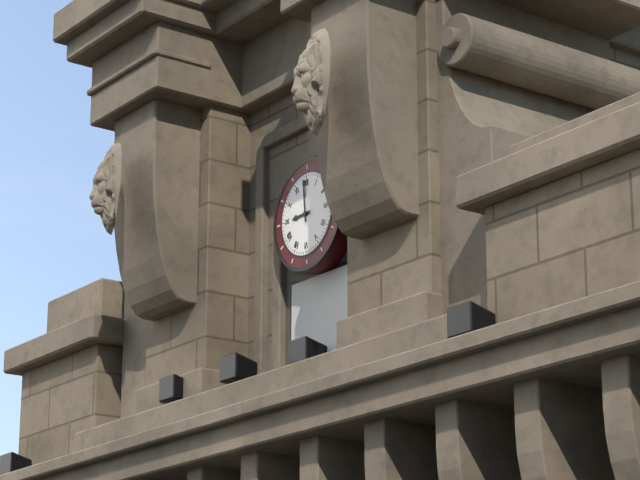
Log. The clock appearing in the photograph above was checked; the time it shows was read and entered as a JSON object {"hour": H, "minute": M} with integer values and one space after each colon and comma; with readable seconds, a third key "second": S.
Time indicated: {"hour": 8, "minute": 59}
